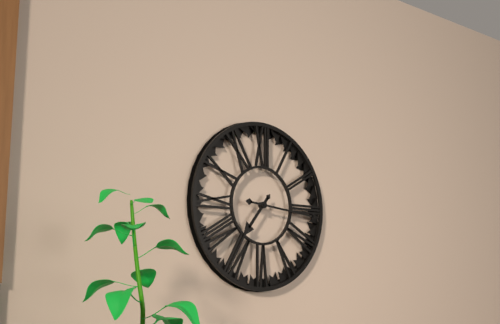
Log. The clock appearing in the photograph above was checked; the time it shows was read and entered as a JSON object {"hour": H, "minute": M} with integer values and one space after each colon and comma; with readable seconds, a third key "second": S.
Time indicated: {"hour": 7, "minute": 16}
